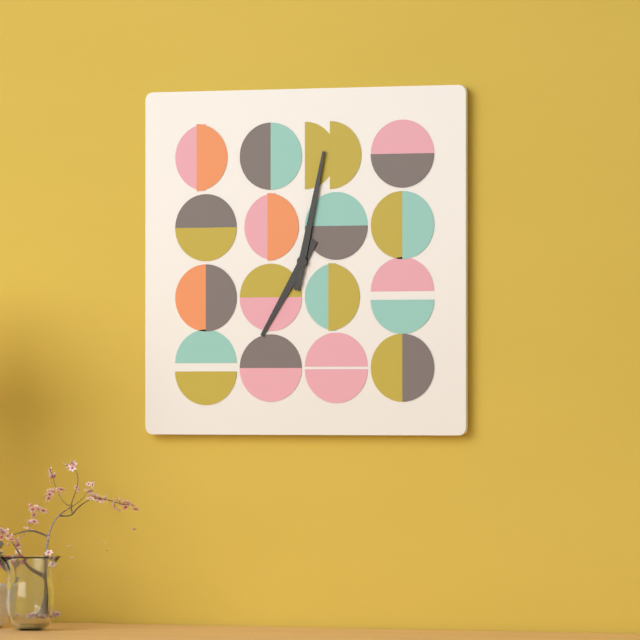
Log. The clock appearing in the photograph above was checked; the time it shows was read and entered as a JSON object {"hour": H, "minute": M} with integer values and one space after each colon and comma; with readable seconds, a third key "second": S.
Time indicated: {"hour": 7, "minute": 2}
